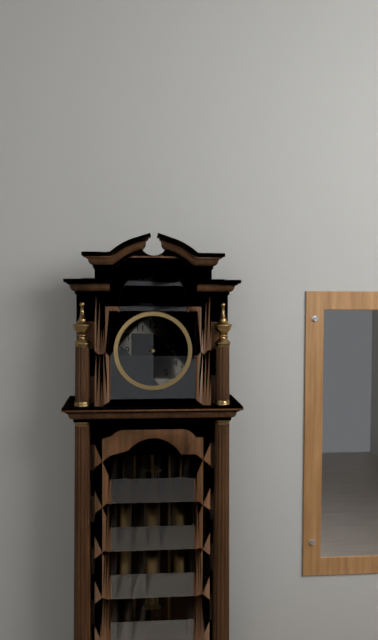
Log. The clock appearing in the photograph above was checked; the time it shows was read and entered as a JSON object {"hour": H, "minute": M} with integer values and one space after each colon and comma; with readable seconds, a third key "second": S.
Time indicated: {"hour": 6, "minute": 14}
